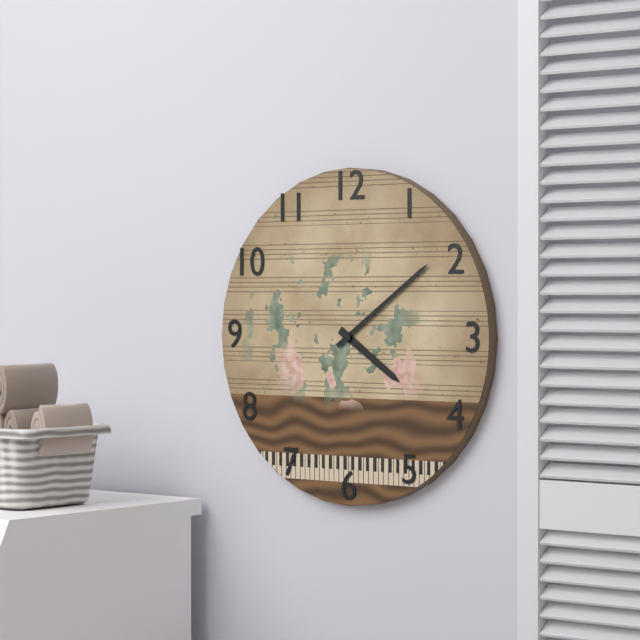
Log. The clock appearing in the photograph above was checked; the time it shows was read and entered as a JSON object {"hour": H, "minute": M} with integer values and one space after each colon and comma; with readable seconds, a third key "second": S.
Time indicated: {"hour": 4, "minute": 9}
